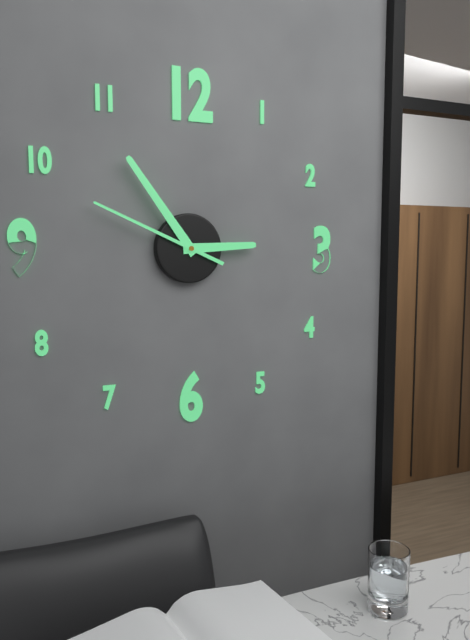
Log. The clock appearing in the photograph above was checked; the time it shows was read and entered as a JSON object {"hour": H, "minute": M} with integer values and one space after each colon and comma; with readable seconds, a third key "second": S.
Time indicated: {"hour": 2, "minute": 54, "second": 49}
